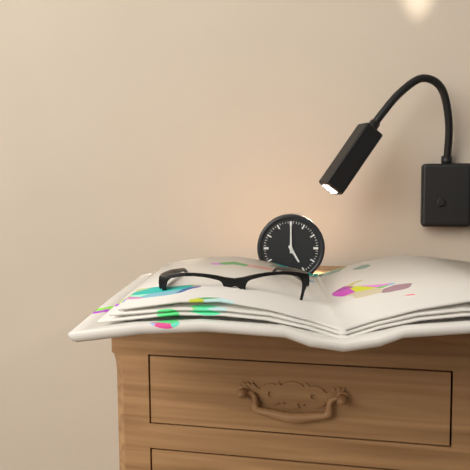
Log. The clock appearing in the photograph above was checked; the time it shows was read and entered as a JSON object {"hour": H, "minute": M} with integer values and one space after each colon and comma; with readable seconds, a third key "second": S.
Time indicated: {"hour": 5, "minute": 0}
